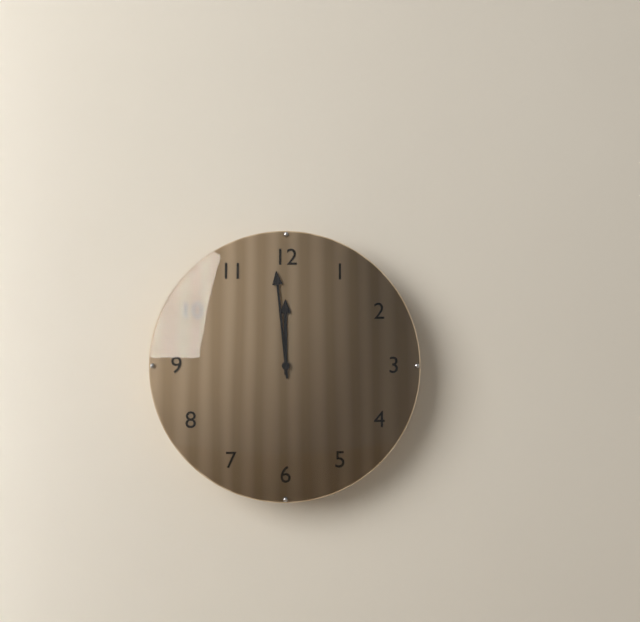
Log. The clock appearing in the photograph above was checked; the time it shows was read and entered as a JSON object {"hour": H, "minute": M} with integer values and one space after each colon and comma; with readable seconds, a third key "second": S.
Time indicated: {"hour": 11, "minute": 59}
